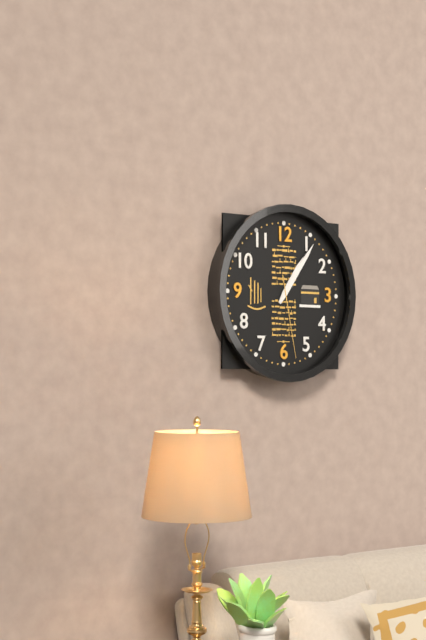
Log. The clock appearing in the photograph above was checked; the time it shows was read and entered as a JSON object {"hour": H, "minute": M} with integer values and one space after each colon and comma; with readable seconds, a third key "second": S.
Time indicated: {"hour": 1, "minute": 6, "second": 28}
